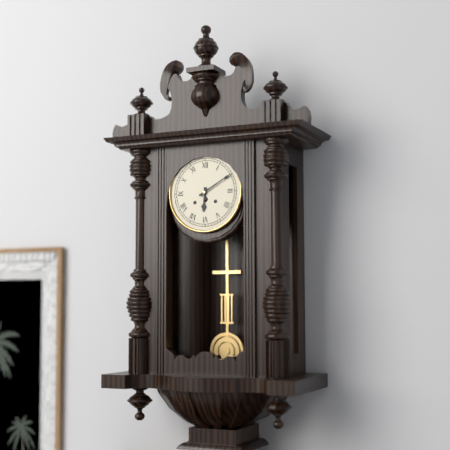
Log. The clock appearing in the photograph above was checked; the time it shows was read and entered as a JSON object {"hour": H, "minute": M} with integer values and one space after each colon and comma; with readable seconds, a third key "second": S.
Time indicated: {"hour": 6, "minute": 10}
